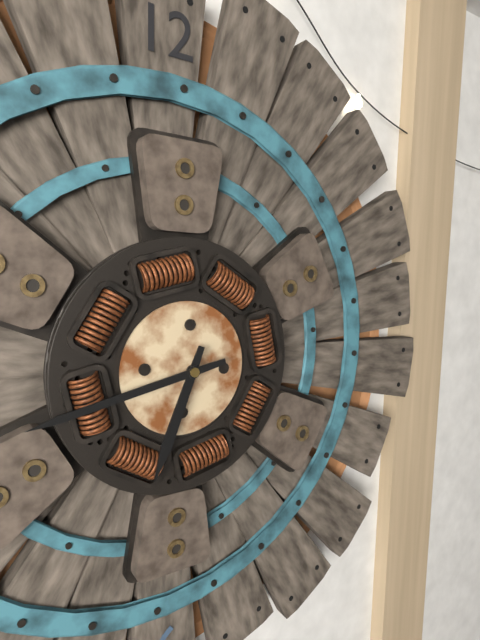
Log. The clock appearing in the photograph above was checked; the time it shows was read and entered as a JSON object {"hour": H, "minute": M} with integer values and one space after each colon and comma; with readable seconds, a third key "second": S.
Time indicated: {"hour": 6, "minute": 43}
